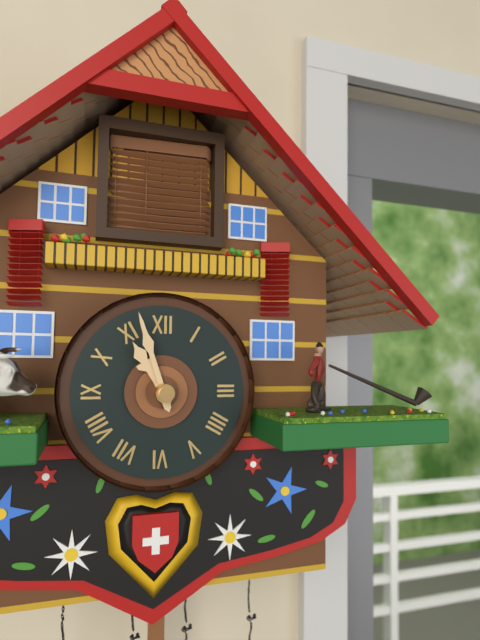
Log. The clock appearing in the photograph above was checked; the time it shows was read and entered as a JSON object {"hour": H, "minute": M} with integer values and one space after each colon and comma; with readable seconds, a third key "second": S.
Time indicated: {"hour": 10, "minute": 57}
